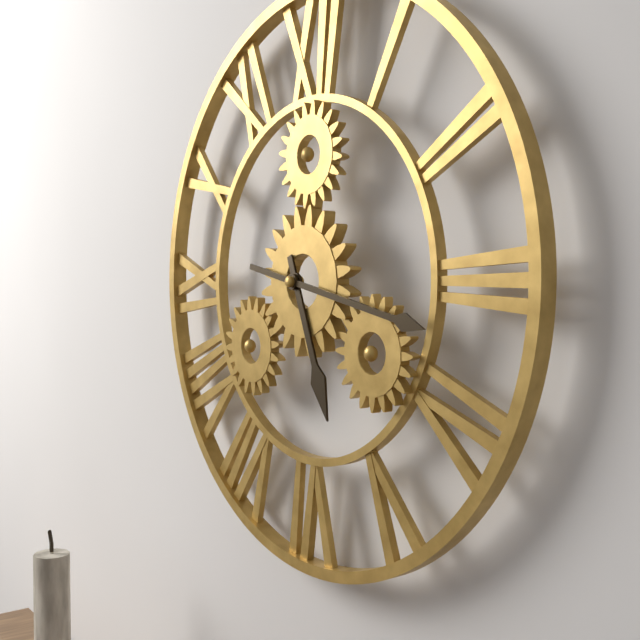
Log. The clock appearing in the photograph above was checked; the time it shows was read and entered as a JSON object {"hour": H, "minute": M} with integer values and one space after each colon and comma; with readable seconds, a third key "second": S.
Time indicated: {"hour": 5, "minute": 17}
